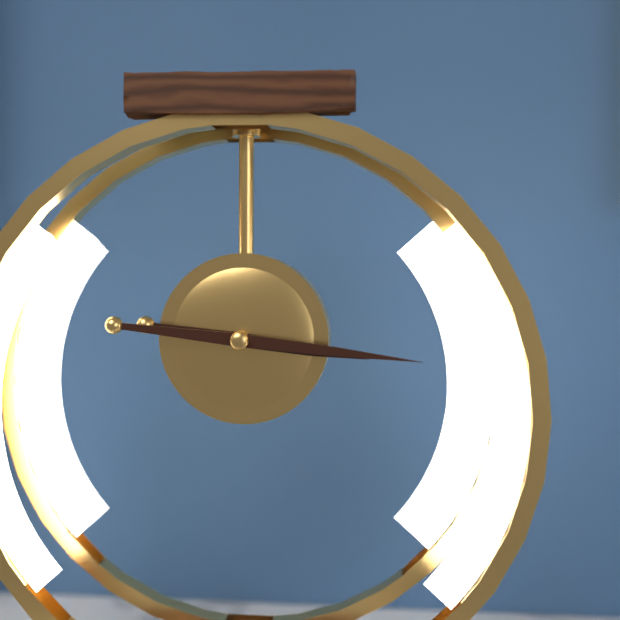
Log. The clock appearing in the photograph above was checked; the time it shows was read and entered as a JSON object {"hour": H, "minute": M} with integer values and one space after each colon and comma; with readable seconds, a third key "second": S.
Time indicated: {"hour": 3, "minute": 16}
